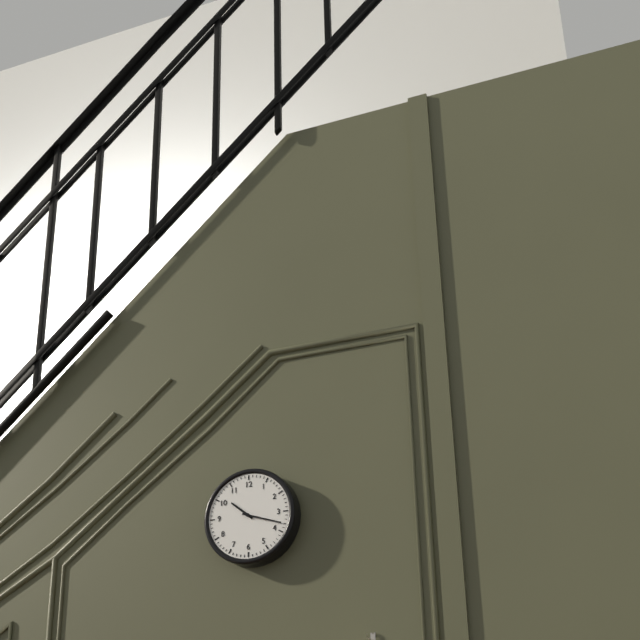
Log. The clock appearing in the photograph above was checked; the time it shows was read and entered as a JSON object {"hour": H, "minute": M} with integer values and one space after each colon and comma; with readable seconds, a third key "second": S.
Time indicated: {"hour": 10, "minute": 18}
